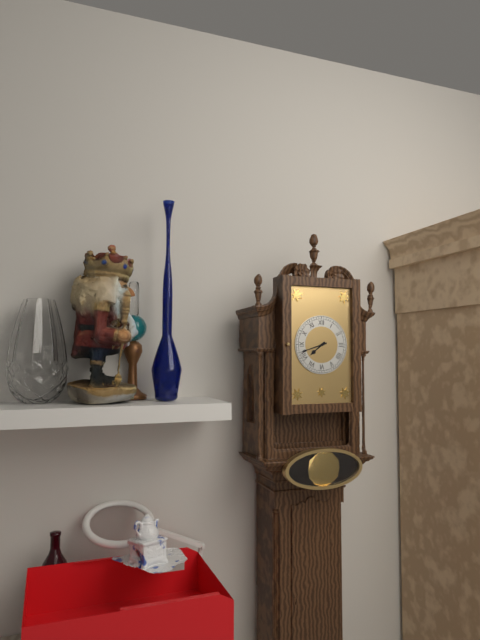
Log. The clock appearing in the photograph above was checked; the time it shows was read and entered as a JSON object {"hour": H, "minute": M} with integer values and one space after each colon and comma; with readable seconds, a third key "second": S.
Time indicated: {"hour": 7, "minute": 42}
